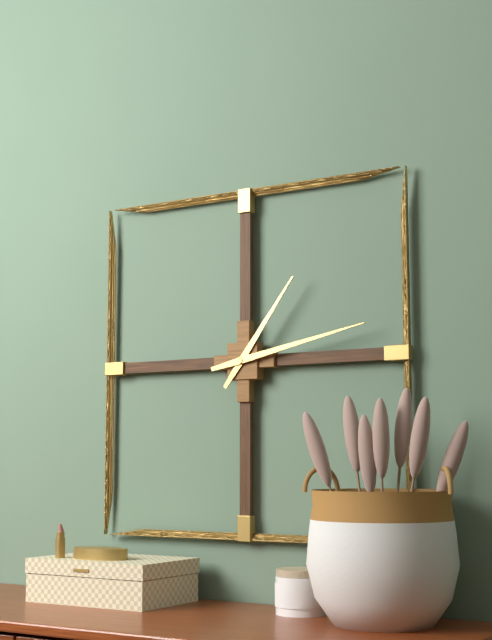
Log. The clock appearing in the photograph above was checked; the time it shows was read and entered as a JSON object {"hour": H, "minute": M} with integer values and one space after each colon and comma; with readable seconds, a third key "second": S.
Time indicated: {"hour": 1, "minute": 13}
